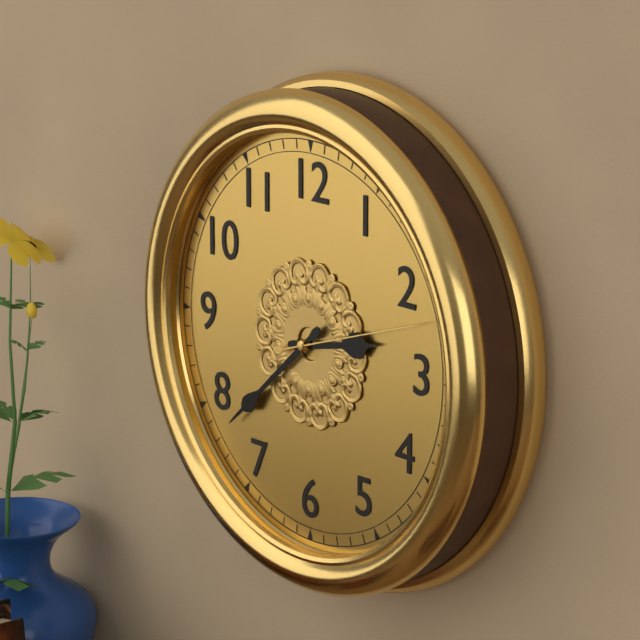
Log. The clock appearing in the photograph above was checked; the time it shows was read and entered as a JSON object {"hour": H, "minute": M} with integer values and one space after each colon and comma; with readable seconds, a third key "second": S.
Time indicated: {"hour": 2, "minute": 38, "second": 12}
